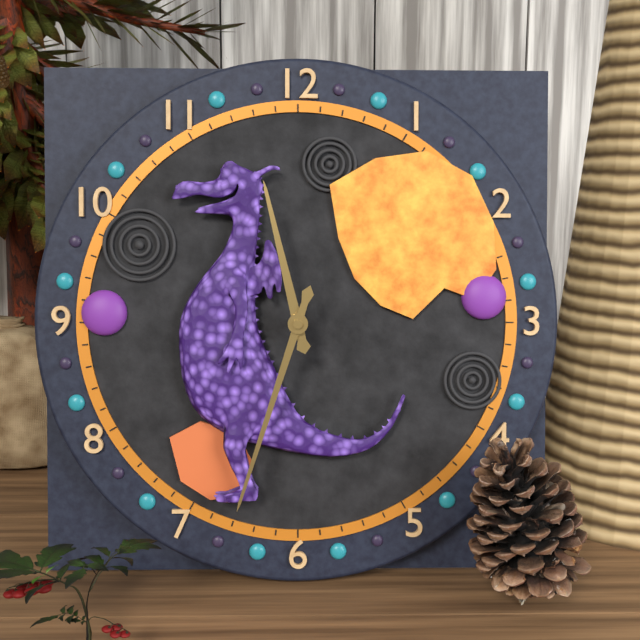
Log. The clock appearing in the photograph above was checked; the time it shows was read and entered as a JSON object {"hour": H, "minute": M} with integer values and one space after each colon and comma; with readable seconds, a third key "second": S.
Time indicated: {"hour": 11, "minute": 33}
